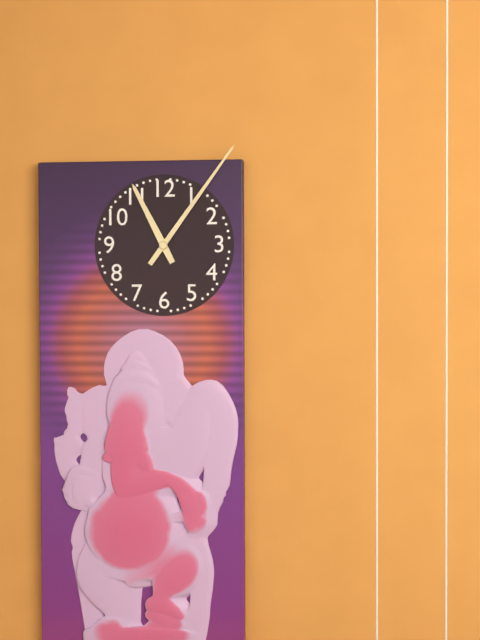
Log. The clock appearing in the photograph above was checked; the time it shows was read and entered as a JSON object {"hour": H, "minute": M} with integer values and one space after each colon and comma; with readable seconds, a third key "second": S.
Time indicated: {"hour": 11, "minute": 6}
